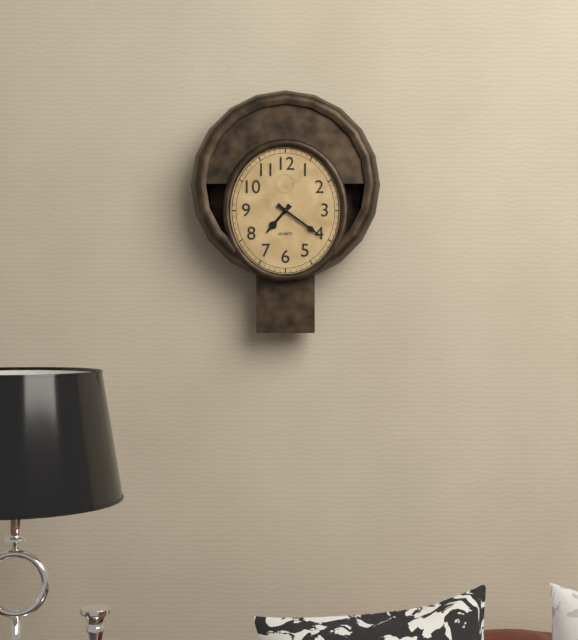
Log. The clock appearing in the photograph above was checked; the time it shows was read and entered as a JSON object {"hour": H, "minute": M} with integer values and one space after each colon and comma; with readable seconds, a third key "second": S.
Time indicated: {"hour": 7, "minute": 21}
